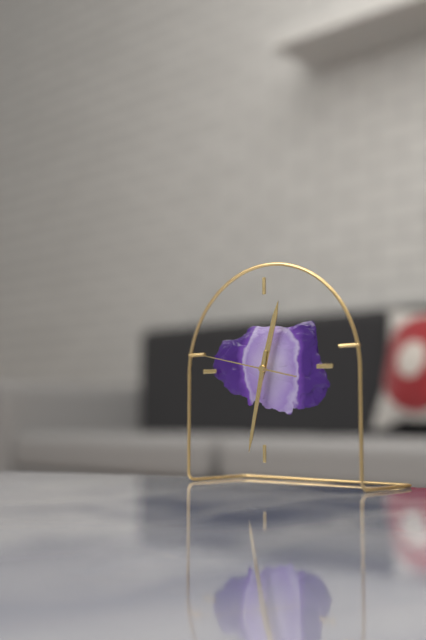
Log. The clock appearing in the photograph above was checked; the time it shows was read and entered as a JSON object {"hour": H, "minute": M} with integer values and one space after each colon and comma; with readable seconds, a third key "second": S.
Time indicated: {"hour": 12, "minute": 32, "second": 47}
